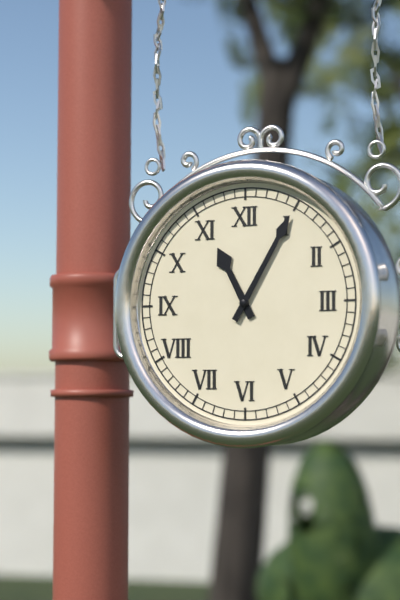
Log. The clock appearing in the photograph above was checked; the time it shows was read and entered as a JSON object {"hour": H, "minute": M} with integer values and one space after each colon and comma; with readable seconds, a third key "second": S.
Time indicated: {"hour": 11, "minute": 5}
